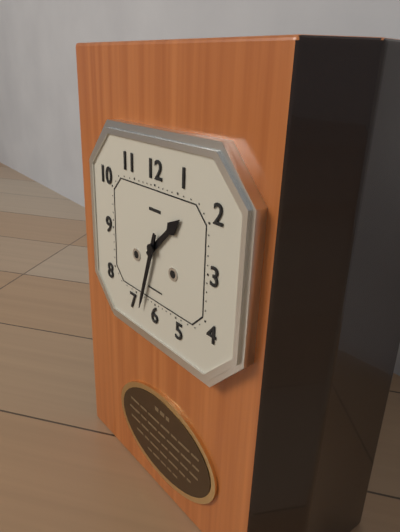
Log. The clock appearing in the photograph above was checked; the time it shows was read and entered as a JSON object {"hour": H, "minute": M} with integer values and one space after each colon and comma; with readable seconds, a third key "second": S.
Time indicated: {"hour": 1, "minute": 33}
